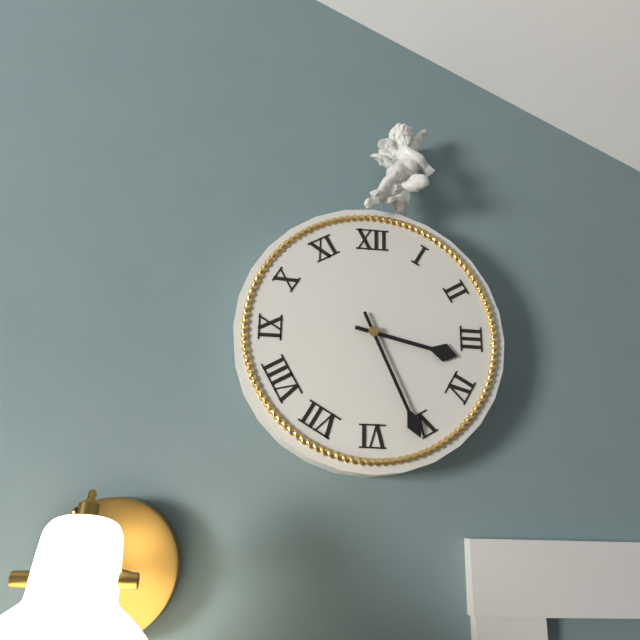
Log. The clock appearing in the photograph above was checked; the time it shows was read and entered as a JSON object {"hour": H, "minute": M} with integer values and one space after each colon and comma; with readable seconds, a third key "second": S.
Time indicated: {"hour": 3, "minute": 26}
